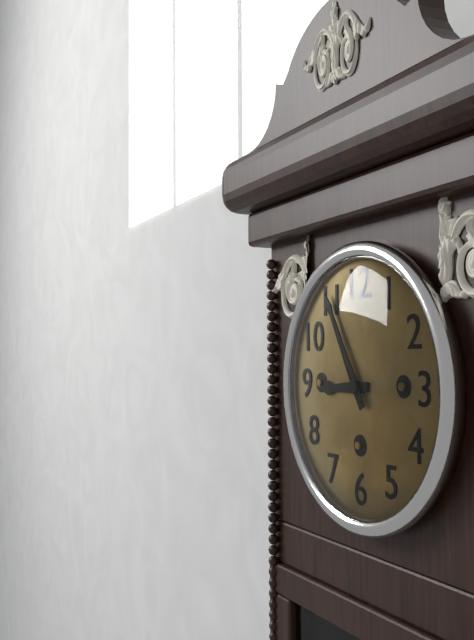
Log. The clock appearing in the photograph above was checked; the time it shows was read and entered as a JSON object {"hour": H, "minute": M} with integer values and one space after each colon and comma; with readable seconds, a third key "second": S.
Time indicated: {"hour": 8, "minute": 55}
